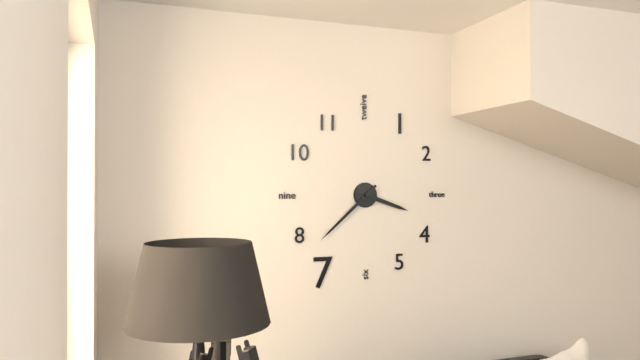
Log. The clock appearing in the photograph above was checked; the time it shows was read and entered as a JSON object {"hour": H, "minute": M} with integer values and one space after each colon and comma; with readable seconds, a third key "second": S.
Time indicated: {"hour": 3, "minute": 38}
